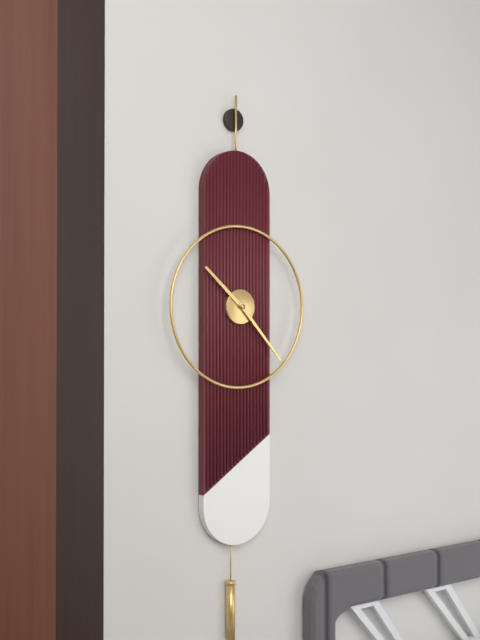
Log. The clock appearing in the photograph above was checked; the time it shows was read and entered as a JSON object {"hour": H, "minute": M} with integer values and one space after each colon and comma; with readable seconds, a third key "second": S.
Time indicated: {"hour": 10, "minute": 23}
